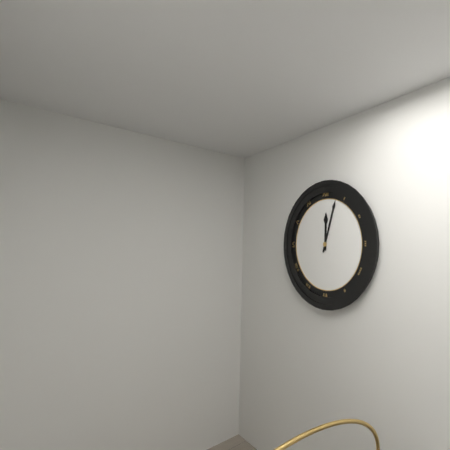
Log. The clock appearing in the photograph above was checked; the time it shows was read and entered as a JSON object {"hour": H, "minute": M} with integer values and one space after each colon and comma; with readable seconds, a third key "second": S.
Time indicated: {"hour": 12, "minute": 3}
